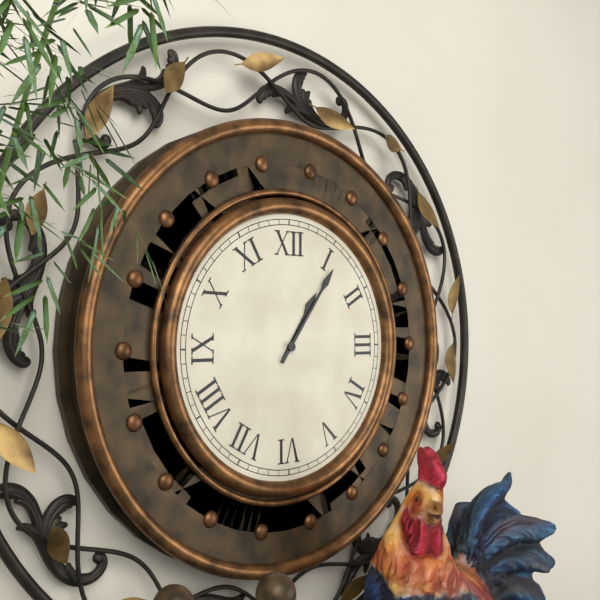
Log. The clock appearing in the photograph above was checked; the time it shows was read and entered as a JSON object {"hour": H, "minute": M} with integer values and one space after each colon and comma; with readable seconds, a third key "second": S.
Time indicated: {"hour": 1, "minute": 6}
